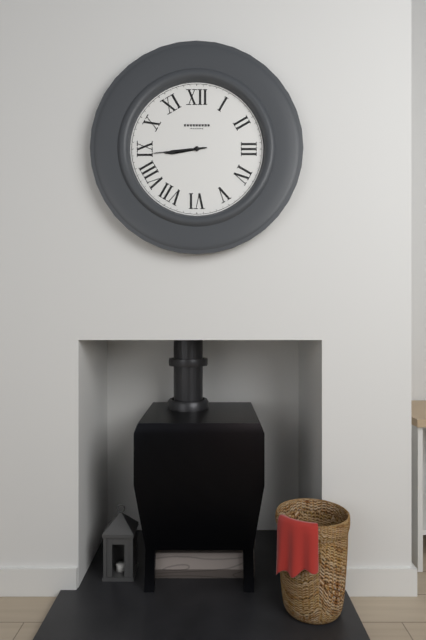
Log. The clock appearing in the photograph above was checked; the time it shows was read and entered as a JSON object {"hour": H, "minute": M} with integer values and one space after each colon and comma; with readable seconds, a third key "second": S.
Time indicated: {"hour": 8, "minute": 44}
